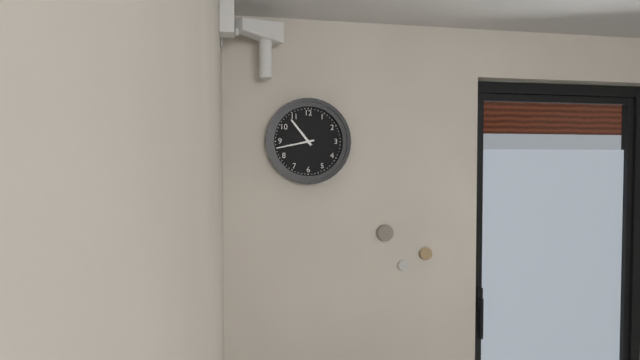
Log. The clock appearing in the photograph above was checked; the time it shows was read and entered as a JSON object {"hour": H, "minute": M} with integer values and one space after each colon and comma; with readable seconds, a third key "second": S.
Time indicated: {"hour": 10, "minute": 43}
